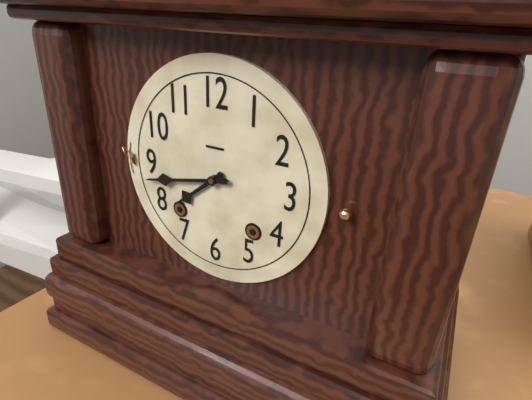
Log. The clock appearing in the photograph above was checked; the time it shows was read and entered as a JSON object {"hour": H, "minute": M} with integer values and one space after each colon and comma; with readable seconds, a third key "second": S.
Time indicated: {"hour": 7, "minute": 43}
